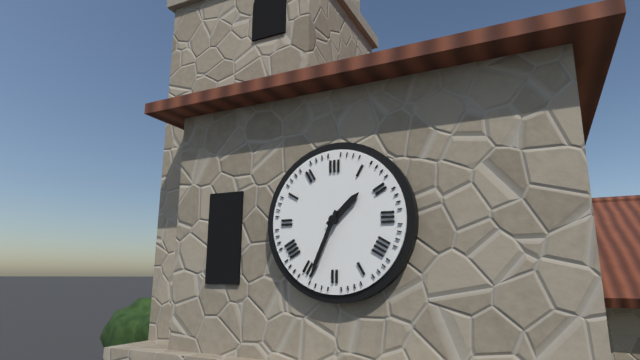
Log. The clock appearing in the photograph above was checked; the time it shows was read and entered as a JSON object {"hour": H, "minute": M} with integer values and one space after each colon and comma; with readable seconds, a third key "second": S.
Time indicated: {"hour": 1, "minute": 34}
